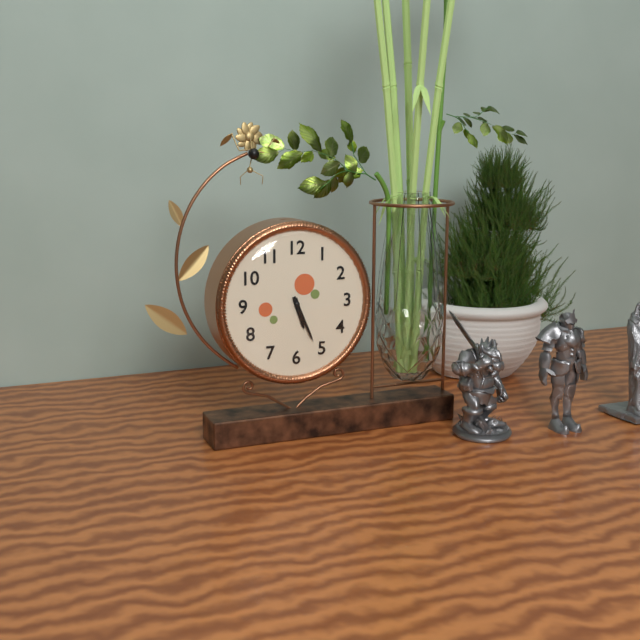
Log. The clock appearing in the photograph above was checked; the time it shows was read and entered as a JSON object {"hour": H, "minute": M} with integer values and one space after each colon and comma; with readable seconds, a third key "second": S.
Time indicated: {"hour": 5, "minute": 26}
